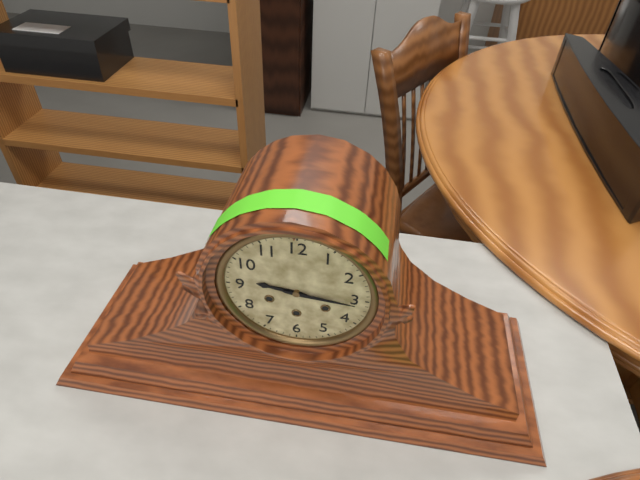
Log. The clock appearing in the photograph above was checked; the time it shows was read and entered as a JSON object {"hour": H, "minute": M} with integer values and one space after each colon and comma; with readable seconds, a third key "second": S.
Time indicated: {"hour": 9, "minute": 16}
